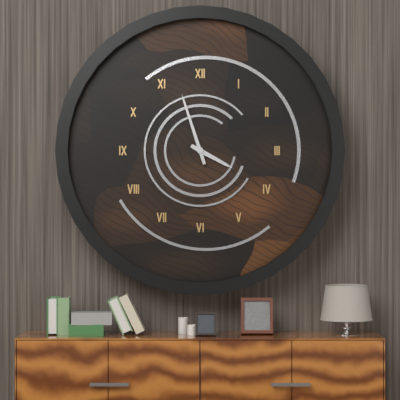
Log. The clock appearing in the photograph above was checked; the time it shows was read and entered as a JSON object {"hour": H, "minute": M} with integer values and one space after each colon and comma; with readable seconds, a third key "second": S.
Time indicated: {"hour": 3, "minute": 57}
